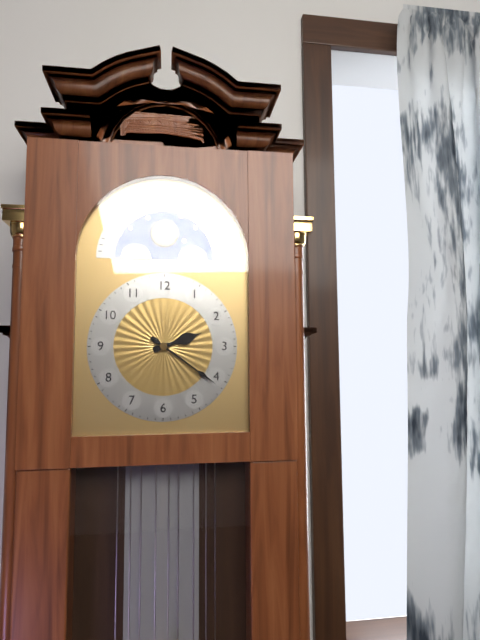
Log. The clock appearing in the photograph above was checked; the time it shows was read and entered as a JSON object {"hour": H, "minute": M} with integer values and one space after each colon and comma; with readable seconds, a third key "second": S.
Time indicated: {"hour": 2, "minute": 21}
